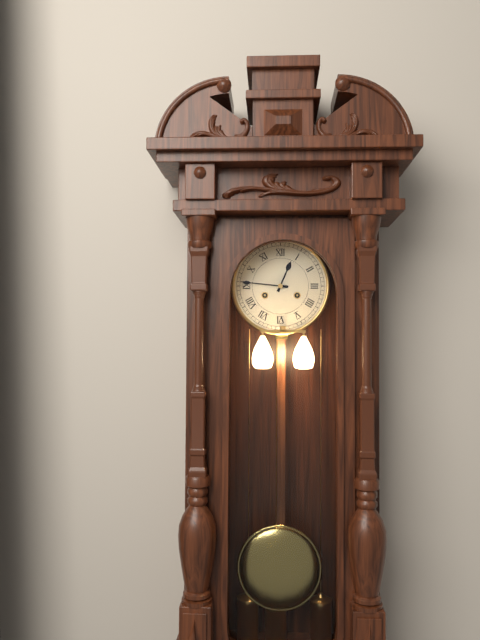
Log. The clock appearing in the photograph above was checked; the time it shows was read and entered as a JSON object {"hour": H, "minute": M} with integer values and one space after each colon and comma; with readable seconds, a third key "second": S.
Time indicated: {"hour": 12, "minute": 46}
